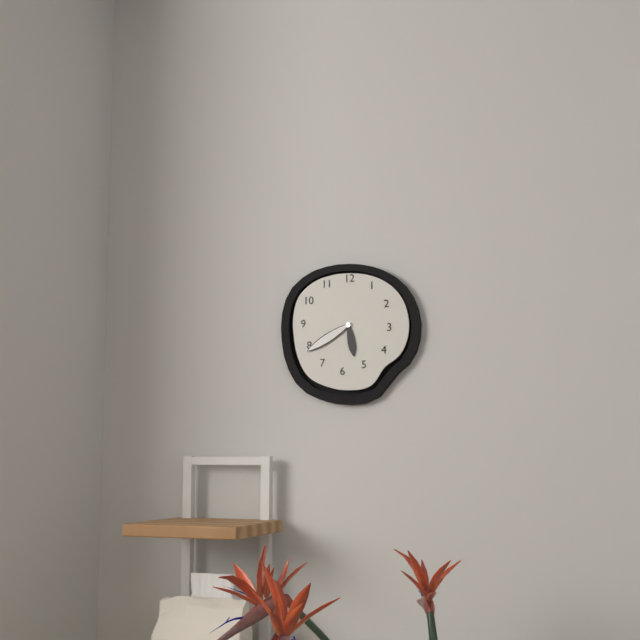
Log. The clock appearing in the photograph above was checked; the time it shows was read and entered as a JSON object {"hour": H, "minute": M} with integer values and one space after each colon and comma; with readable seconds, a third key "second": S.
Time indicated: {"hour": 5, "minute": 40}
